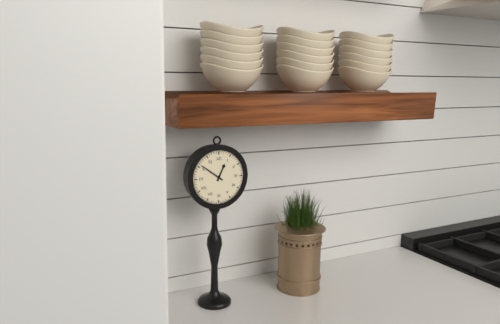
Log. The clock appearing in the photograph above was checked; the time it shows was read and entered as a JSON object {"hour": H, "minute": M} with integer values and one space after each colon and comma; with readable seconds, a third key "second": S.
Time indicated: {"hour": 12, "minute": 51}
